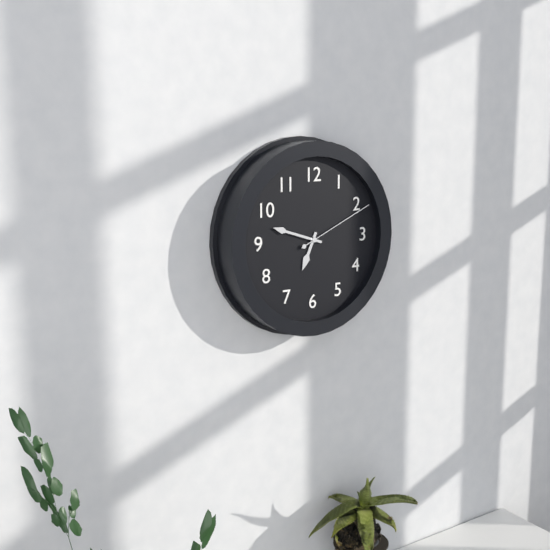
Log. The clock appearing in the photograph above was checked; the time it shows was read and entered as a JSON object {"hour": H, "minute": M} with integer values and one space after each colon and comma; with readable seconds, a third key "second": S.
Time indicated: {"hour": 6, "minute": 48, "second": 11}
